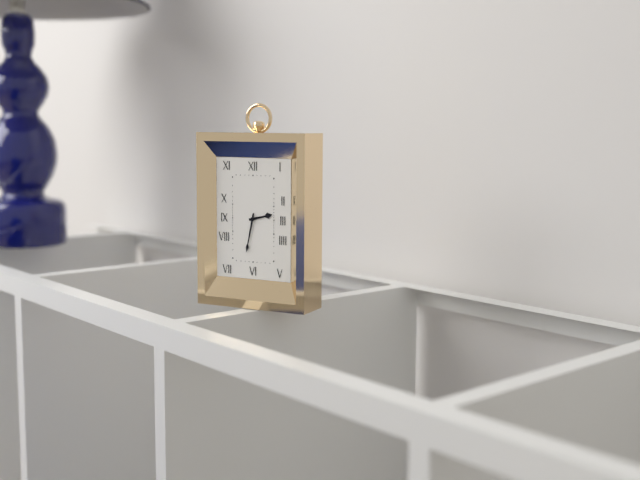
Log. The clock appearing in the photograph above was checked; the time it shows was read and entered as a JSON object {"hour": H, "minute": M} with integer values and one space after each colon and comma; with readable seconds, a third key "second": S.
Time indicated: {"hour": 2, "minute": 32}
